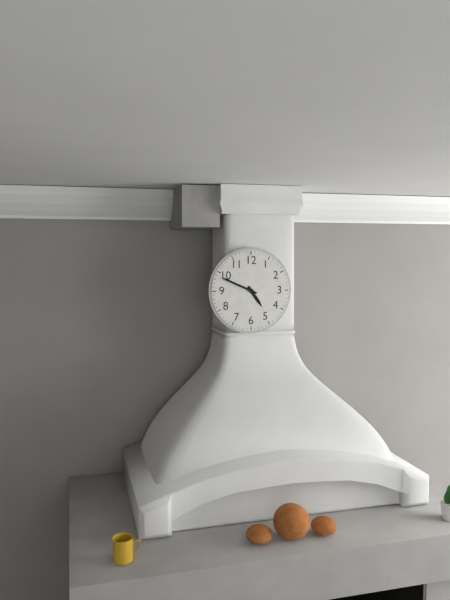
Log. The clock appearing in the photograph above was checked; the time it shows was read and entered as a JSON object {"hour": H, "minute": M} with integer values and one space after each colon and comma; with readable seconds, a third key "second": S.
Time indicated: {"hour": 4, "minute": 49}
